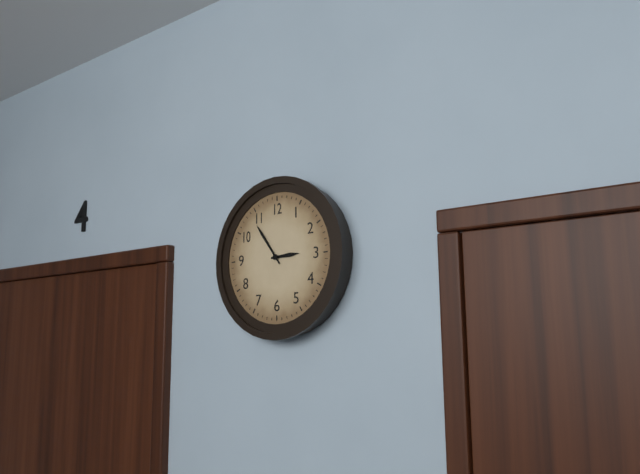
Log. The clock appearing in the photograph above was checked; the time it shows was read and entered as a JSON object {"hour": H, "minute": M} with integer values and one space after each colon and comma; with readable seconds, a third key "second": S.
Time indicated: {"hour": 2, "minute": 54}
